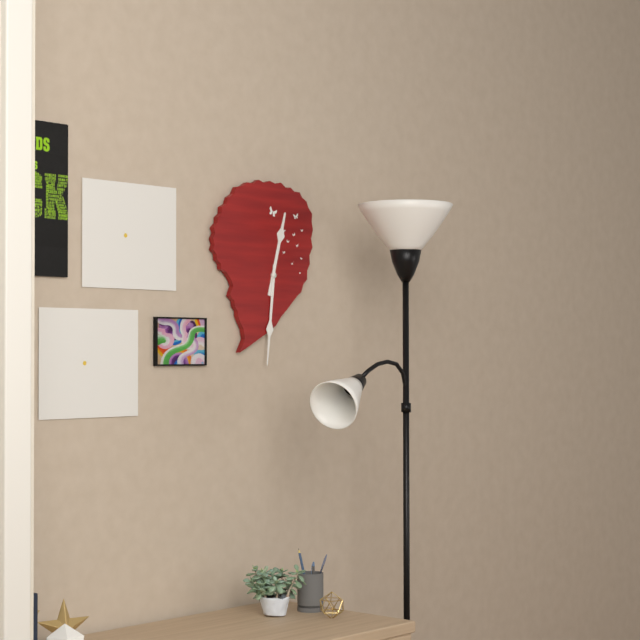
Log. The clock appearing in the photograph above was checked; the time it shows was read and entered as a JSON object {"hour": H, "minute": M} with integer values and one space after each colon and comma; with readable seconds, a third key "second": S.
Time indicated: {"hour": 12, "minute": 31}
